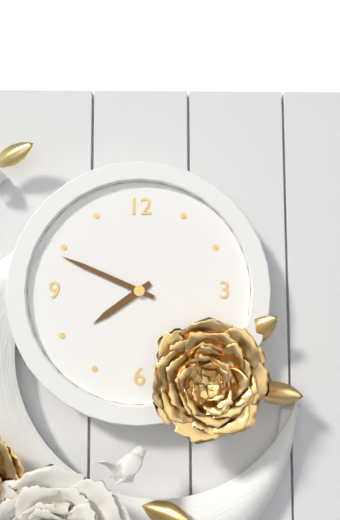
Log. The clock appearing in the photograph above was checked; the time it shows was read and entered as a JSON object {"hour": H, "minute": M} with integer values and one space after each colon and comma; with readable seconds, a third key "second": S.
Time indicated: {"hour": 7, "minute": 49}
